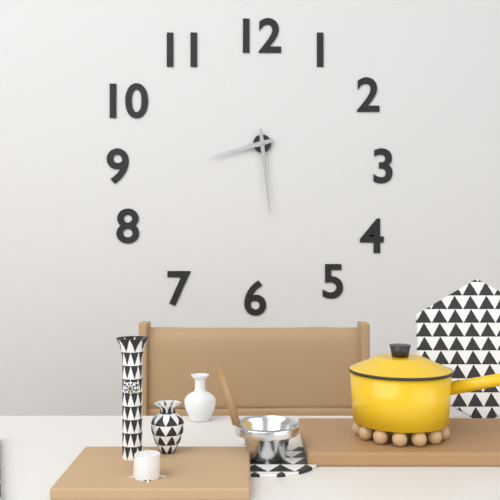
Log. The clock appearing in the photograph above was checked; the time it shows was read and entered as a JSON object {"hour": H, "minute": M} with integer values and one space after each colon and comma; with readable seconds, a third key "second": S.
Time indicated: {"hour": 8, "minute": 29}
